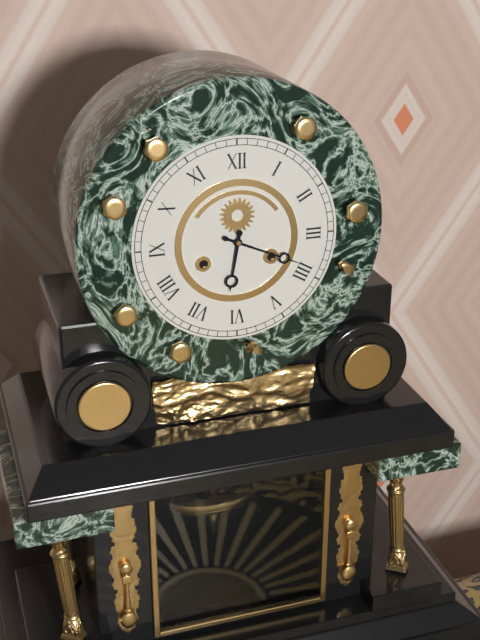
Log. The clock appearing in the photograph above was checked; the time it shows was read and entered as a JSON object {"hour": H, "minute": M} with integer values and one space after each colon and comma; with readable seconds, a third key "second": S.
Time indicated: {"hour": 6, "minute": 19}
